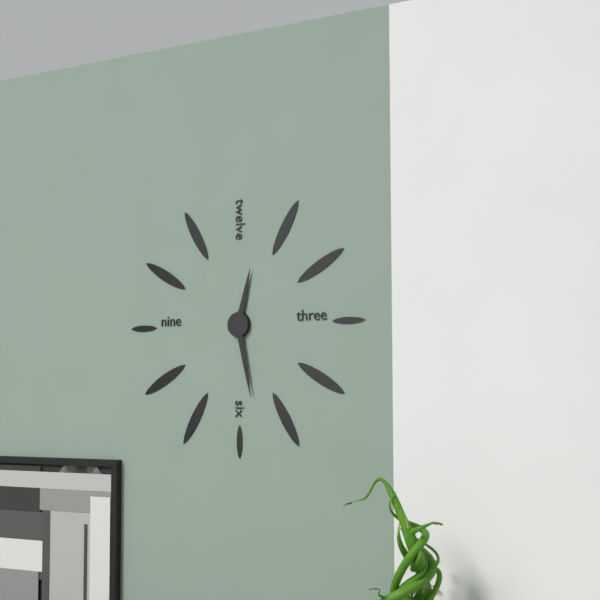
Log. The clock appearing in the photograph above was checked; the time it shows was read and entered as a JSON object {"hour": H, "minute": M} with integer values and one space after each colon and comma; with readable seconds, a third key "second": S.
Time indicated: {"hour": 12, "minute": 28}
